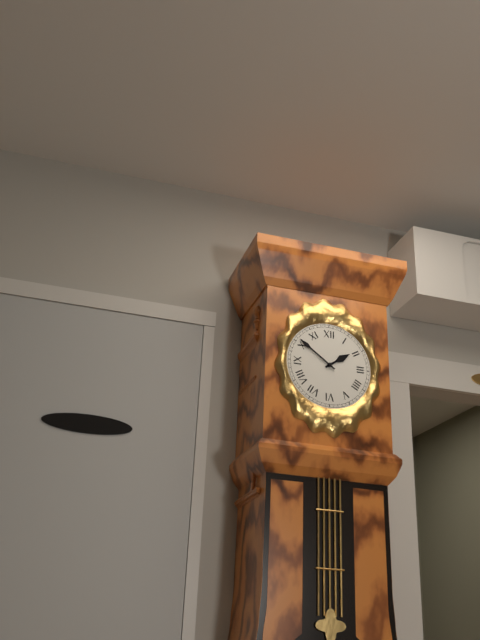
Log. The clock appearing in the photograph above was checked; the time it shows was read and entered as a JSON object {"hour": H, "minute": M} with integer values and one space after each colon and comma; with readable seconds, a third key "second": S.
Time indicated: {"hour": 1, "minute": 51}
